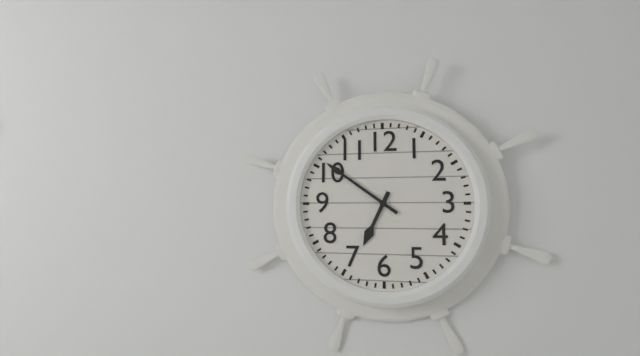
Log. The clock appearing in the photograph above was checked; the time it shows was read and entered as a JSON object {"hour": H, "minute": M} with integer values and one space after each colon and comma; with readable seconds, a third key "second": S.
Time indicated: {"hour": 6, "minute": 51}
